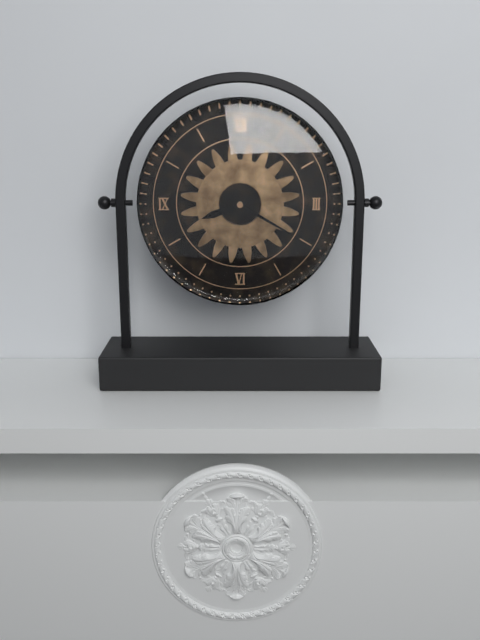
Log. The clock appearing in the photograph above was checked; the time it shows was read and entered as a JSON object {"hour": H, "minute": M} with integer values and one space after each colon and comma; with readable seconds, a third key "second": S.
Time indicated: {"hour": 8, "minute": 20}
